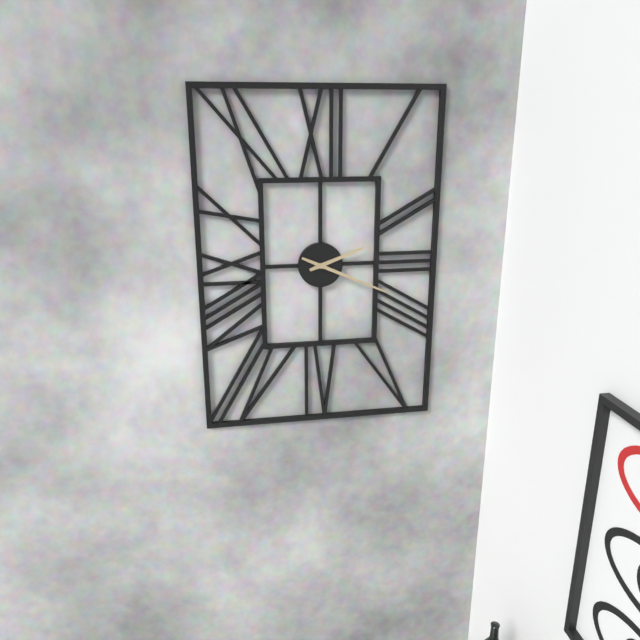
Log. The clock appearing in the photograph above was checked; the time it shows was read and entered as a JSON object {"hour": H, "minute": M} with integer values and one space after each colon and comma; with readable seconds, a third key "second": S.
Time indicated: {"hour": 2, "minute": 19}
